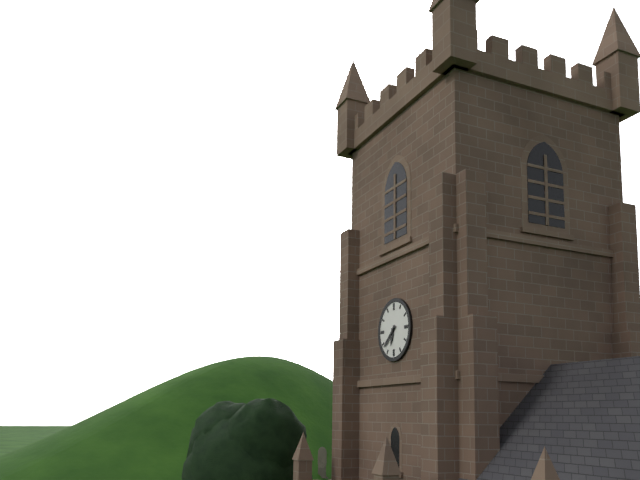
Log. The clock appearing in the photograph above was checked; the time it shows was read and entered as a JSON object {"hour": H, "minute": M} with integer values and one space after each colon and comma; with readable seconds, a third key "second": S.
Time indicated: {"hour": 6, "minute": 38}
